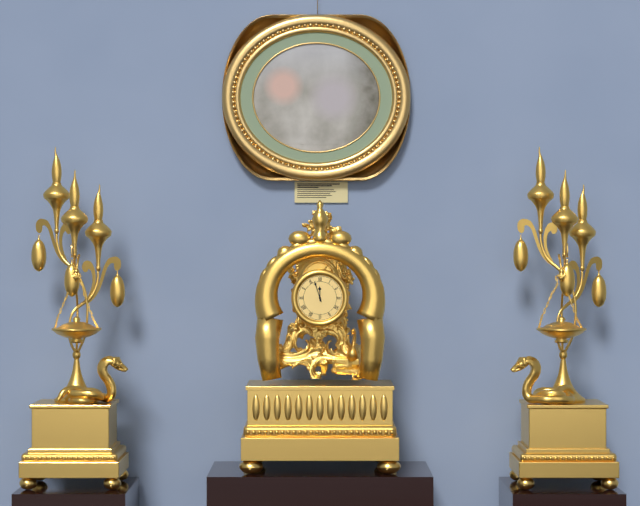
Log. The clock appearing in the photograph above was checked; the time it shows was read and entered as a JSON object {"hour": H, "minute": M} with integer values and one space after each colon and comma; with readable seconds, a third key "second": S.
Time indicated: {"hour": 11, "minute": 57}
